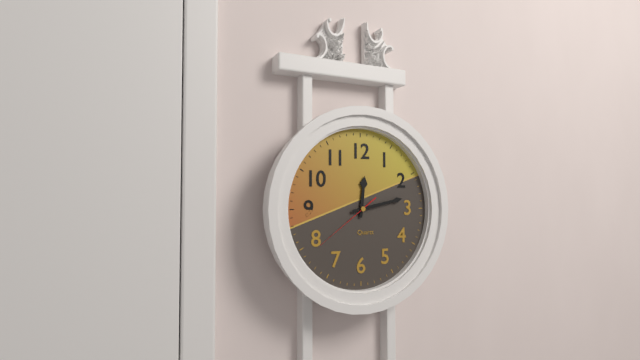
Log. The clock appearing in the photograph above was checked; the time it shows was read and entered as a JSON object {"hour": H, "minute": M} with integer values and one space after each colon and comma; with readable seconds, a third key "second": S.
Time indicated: {"hour": 12, "minute": 13, "second": 39}
